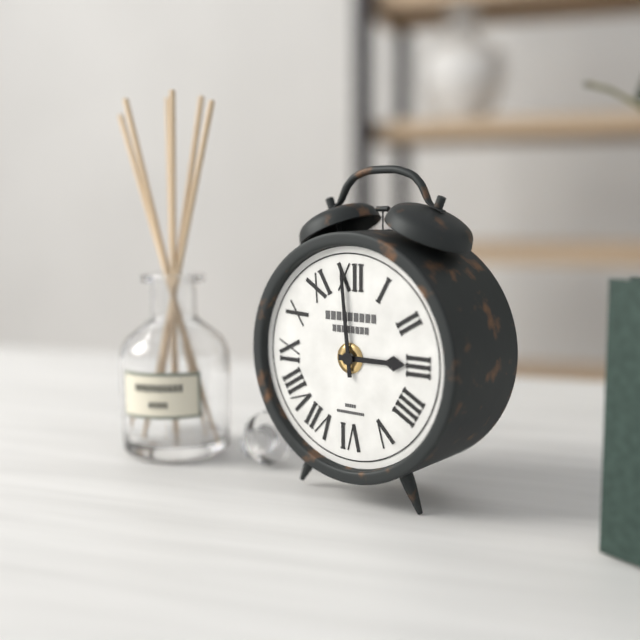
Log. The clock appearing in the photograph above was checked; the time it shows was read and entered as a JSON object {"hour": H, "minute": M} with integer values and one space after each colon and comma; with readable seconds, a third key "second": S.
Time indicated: {"hour": 2, "minute": 59}
